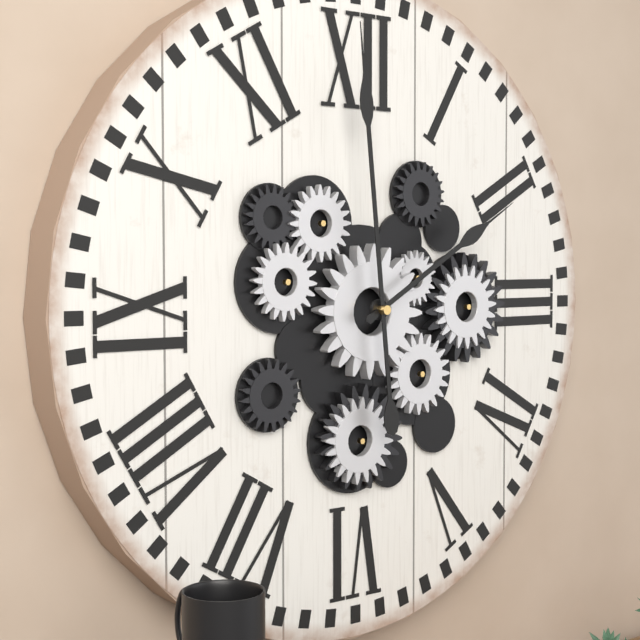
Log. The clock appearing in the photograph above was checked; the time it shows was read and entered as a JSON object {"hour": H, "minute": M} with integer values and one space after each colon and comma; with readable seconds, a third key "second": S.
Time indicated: {"hour": 1, "minute": 59}
